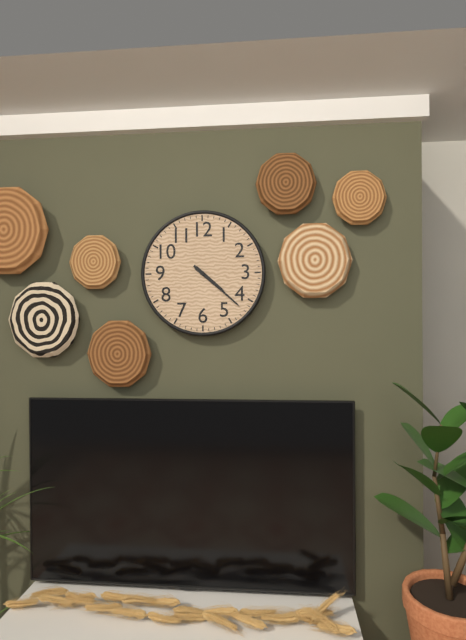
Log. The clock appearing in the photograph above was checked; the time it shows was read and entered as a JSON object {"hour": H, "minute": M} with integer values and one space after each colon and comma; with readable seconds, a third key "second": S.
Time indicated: {"hour": 4, "minute": 22}
